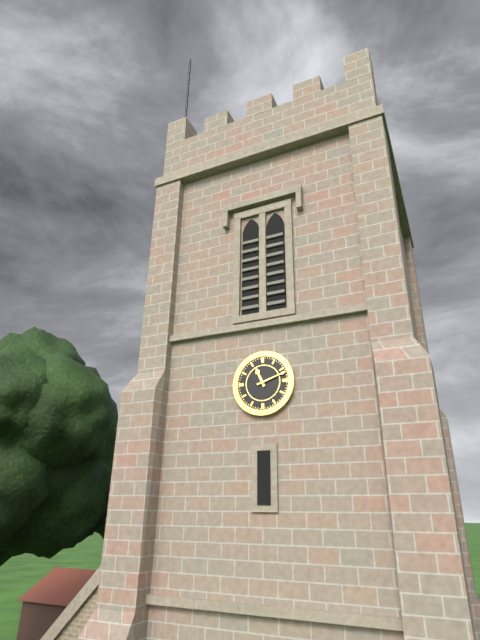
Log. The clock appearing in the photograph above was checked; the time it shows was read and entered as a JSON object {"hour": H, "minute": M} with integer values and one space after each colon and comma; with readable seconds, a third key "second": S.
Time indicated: {"hour": 11, "minute": 12}
